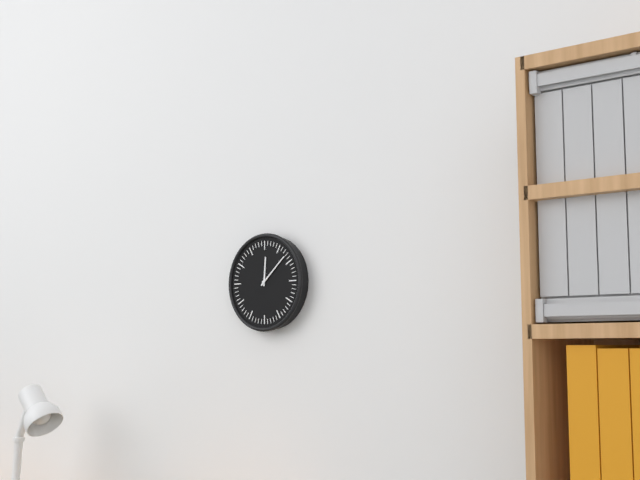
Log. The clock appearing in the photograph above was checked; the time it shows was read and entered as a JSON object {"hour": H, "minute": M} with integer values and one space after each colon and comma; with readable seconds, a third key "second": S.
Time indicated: {"hour": 12, "minute": 8}
